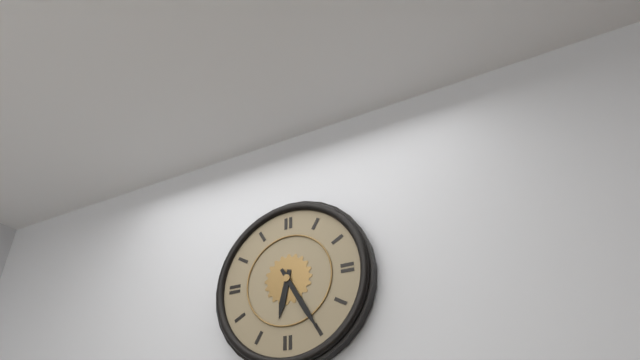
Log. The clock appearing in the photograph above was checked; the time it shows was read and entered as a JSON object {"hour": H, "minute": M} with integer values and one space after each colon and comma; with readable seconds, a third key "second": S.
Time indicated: {"hour": 6, "minute": 25}
